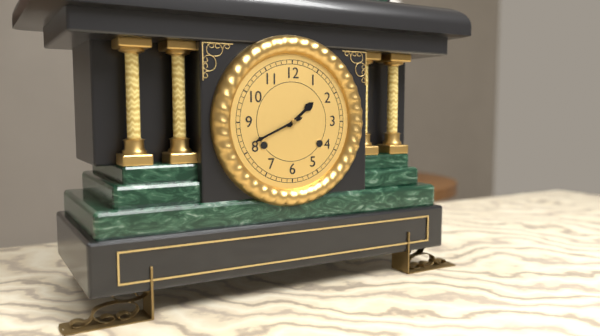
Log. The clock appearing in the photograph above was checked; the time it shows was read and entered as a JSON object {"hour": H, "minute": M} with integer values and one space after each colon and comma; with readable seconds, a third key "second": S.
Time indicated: {"hour": 1, "minute": 41}
